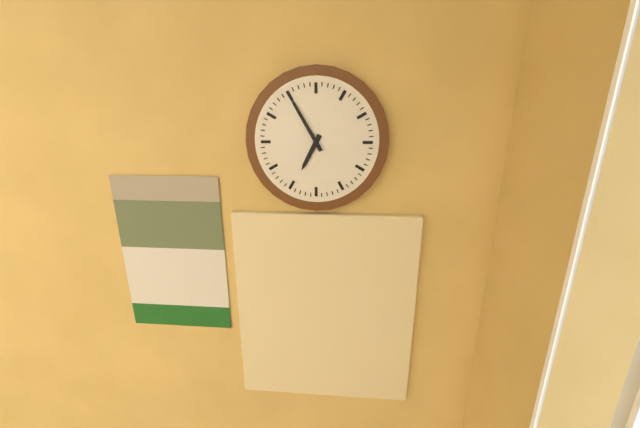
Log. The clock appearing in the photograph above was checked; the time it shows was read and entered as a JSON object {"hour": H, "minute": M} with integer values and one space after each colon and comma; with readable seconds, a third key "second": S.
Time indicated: {"hour": 6, "minute": 55}
